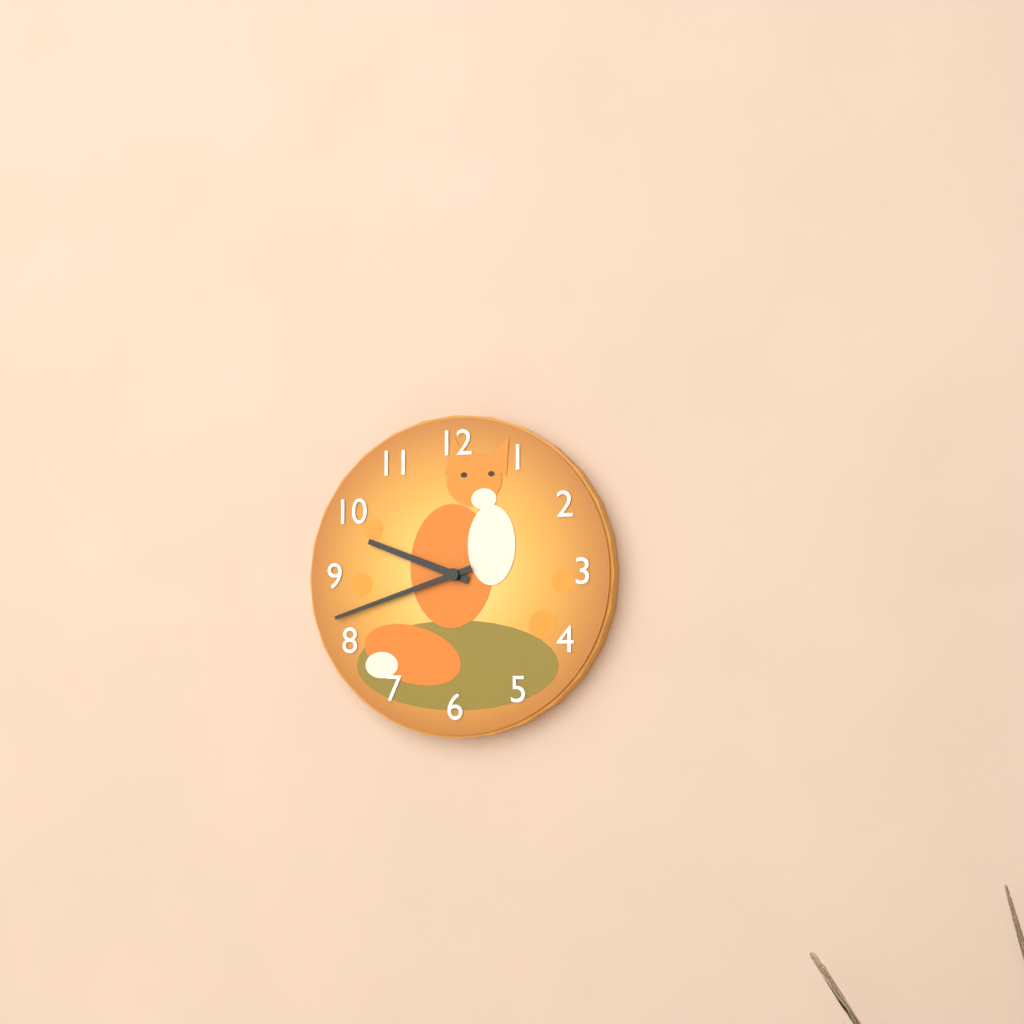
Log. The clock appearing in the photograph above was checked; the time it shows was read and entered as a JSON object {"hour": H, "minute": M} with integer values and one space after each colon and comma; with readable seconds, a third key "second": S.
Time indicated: {"hour": 9, "minute": 42}
